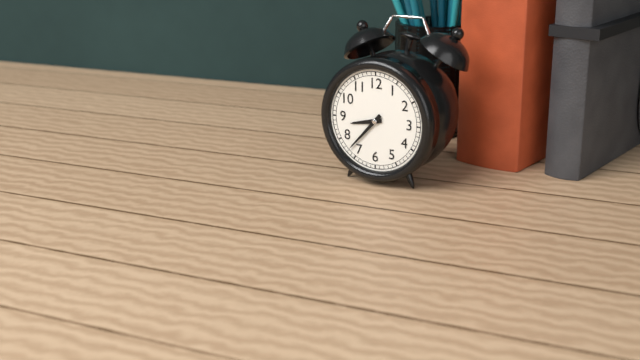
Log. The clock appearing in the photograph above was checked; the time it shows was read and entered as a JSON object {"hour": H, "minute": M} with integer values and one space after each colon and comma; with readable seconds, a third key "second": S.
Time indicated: {"hour": 8, "minute": 37}
